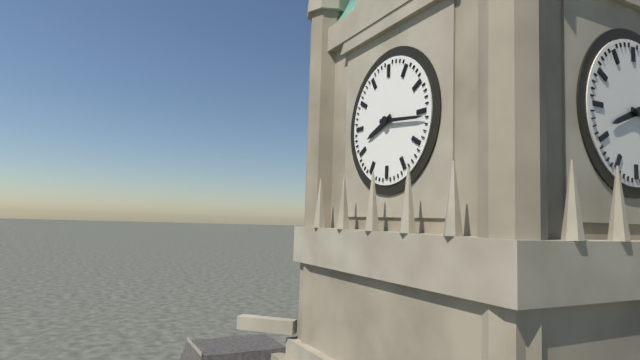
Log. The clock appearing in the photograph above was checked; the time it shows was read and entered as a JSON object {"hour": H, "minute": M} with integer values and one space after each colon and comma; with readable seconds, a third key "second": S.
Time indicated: {"hour": 8, "minute": 16}
